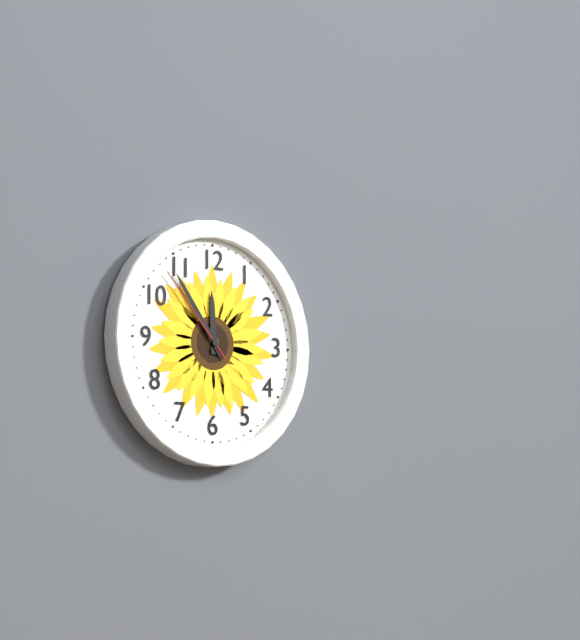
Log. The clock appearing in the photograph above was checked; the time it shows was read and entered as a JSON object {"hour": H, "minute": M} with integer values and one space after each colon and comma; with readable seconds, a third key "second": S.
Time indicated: {"hour": 11, "minute": 54, "second": 53}
